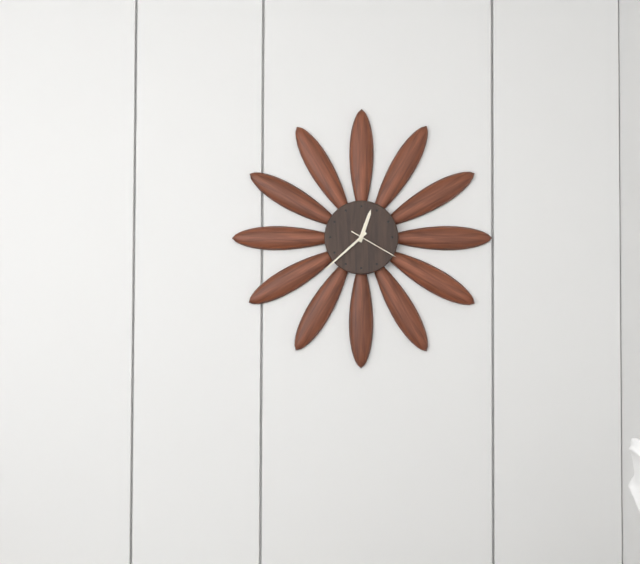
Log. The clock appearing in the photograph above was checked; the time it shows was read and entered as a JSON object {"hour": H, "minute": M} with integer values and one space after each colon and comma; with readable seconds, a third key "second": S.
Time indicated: {"hour": 12, "minute": 38}
